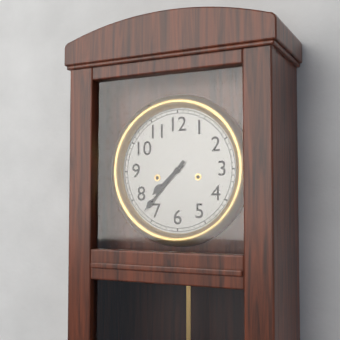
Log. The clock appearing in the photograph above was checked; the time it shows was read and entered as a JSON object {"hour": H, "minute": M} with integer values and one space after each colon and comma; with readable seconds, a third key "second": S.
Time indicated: {"hour": 7, "minute": 37}
